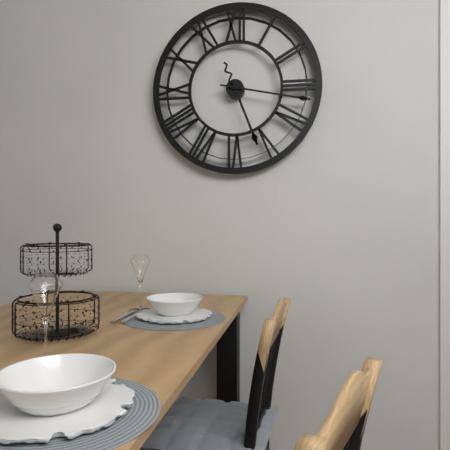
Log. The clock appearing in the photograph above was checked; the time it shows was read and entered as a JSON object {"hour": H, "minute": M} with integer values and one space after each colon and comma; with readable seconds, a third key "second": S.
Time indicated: {"hour": 5, "minute": 17}
